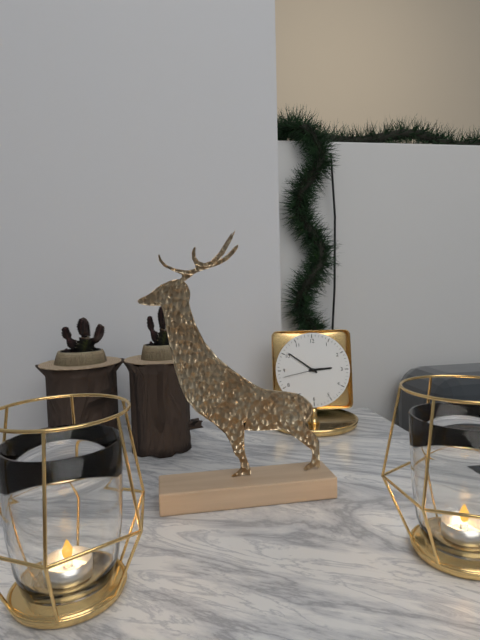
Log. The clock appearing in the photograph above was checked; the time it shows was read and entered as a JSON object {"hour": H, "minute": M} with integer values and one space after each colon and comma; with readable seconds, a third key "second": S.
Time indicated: {"hour": 2, "minute": 51}
